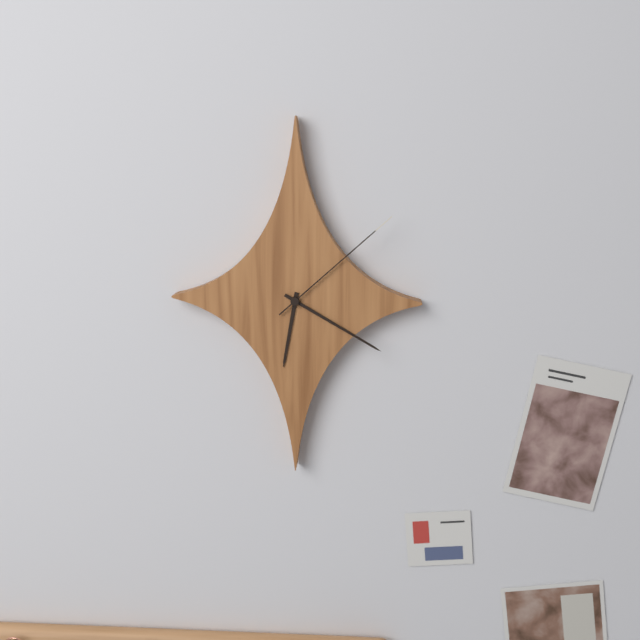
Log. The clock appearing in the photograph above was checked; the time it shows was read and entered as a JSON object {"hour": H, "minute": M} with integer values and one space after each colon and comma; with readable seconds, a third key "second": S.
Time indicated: {"hour": 6, "minute": 20, "second": 8}
